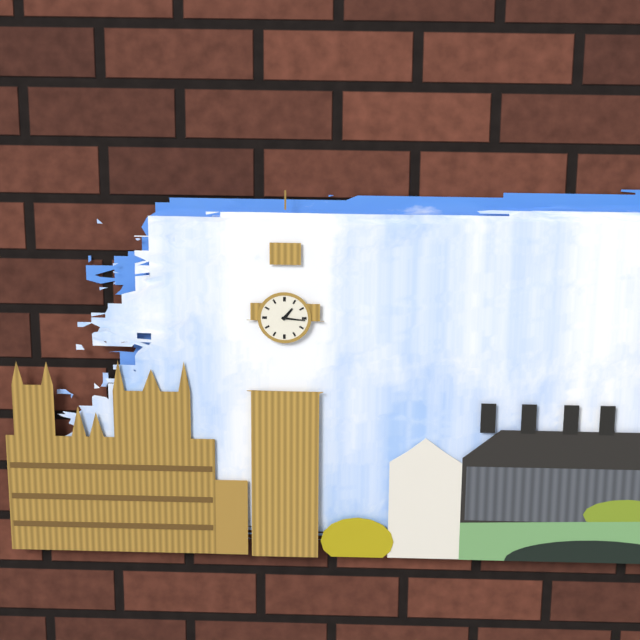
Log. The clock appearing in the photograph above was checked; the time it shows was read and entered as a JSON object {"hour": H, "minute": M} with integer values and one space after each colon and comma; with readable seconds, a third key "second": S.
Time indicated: {"hour": 1, "minute": 16}
